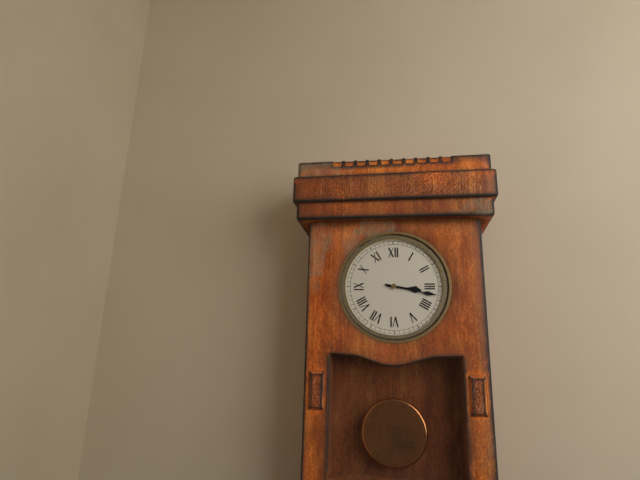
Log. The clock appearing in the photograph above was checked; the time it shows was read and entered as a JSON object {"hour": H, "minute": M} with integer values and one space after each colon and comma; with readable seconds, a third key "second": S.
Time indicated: {"hour": 3, "minute": 17}
